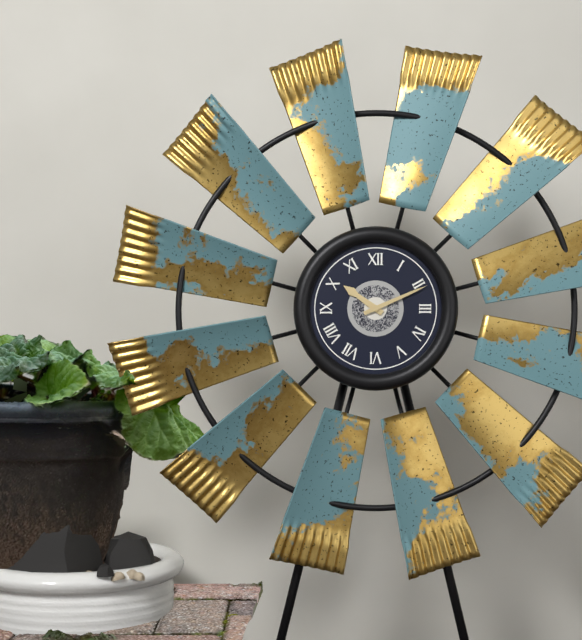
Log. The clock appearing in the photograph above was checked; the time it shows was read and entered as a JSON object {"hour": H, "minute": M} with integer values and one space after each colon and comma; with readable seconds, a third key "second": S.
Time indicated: {"hour": 10, "minute": 11}
